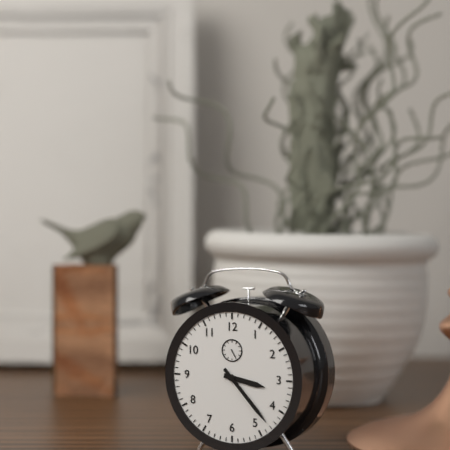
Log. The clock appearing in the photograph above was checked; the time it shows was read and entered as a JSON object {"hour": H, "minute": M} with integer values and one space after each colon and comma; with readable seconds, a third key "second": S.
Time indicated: {"hour": 3, "minute": 23}
